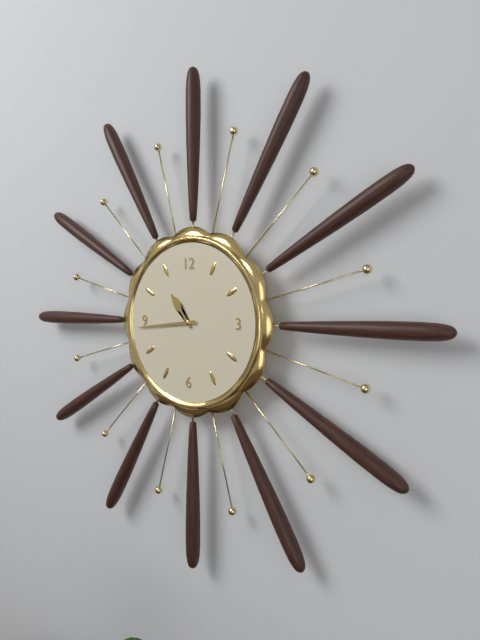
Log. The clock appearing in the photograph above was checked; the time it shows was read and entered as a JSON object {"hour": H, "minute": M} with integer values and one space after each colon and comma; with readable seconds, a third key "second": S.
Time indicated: {"hour": 10, "minute": 44}
